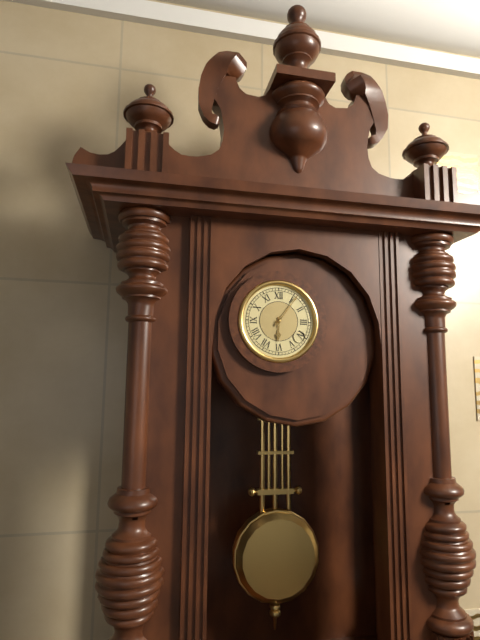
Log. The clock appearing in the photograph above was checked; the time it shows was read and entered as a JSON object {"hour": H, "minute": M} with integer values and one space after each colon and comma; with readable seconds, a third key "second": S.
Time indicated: {"hour": 6, "minute": 6}
